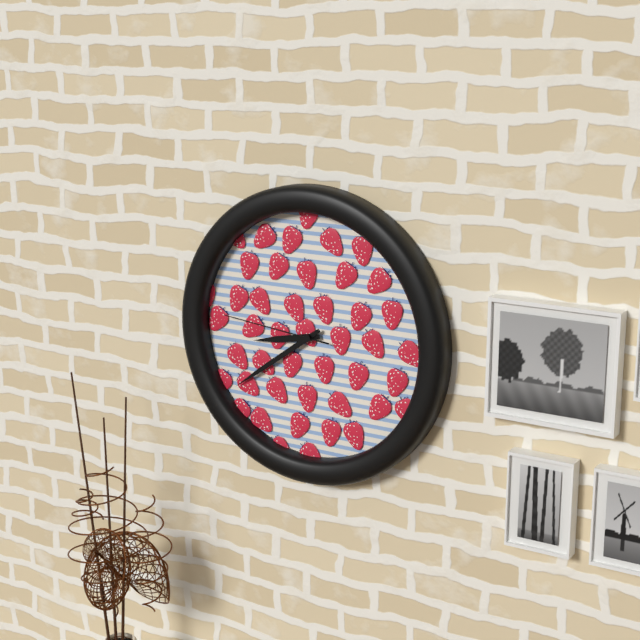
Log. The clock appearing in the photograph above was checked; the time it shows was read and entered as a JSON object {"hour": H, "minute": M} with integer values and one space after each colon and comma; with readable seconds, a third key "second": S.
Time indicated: {"hour": 8, "minute": 39, "second": 46}
